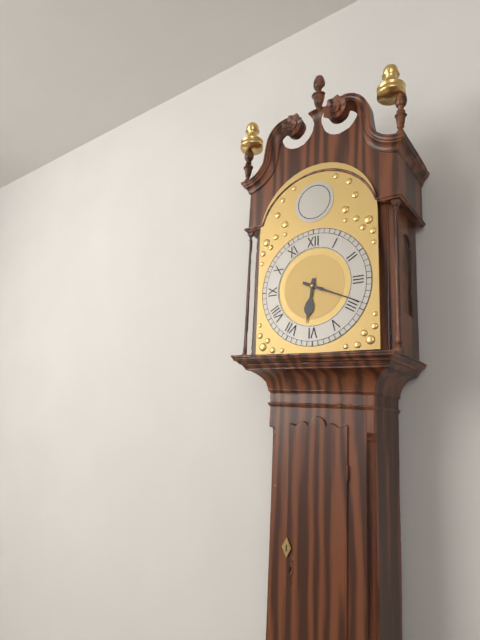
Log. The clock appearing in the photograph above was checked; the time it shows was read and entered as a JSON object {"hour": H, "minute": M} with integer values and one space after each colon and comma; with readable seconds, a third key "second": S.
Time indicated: {"hour": 6, "minute": 19}
